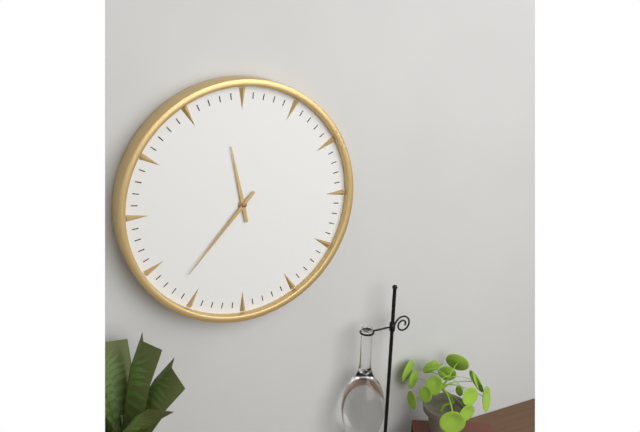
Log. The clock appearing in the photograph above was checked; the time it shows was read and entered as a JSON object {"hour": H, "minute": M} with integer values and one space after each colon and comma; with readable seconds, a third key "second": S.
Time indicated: {"hour": 11, "minute": 37}
